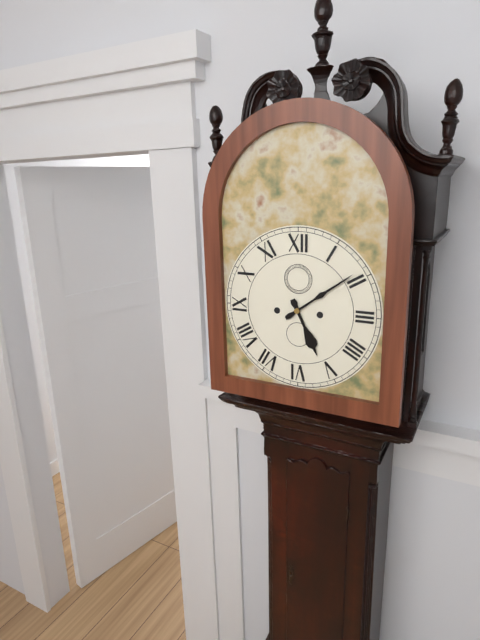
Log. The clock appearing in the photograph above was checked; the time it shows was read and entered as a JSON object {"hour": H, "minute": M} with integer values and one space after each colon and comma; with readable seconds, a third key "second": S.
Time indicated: {"hour": 5, "minute": 9}
